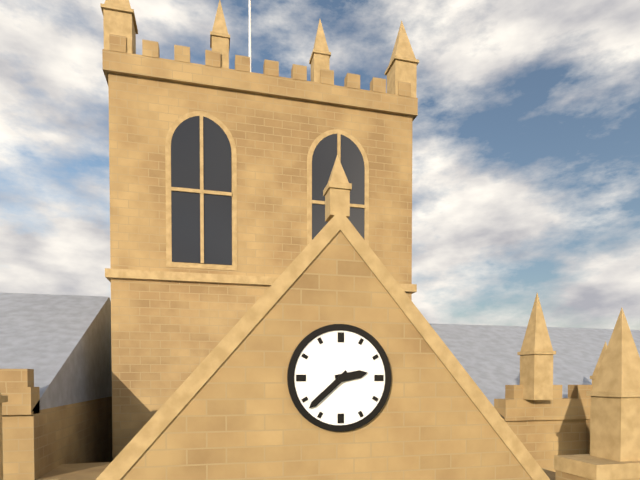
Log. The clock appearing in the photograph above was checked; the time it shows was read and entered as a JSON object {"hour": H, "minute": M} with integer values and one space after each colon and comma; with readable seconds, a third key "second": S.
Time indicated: {"hour": 2, "minute": 38}
